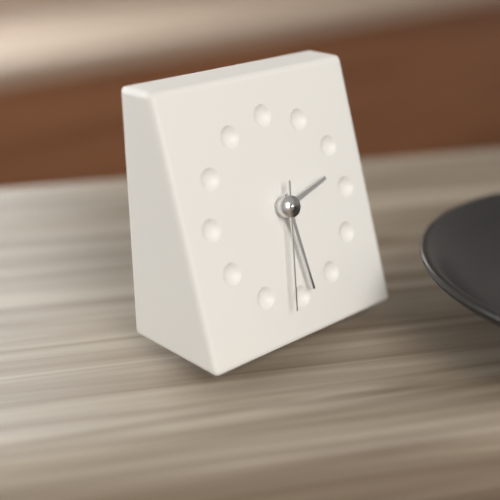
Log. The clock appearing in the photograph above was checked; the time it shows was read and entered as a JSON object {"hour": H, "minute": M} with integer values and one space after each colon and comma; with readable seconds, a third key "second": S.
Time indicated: {"hour": 2, "minute": 29, "second": 32}
